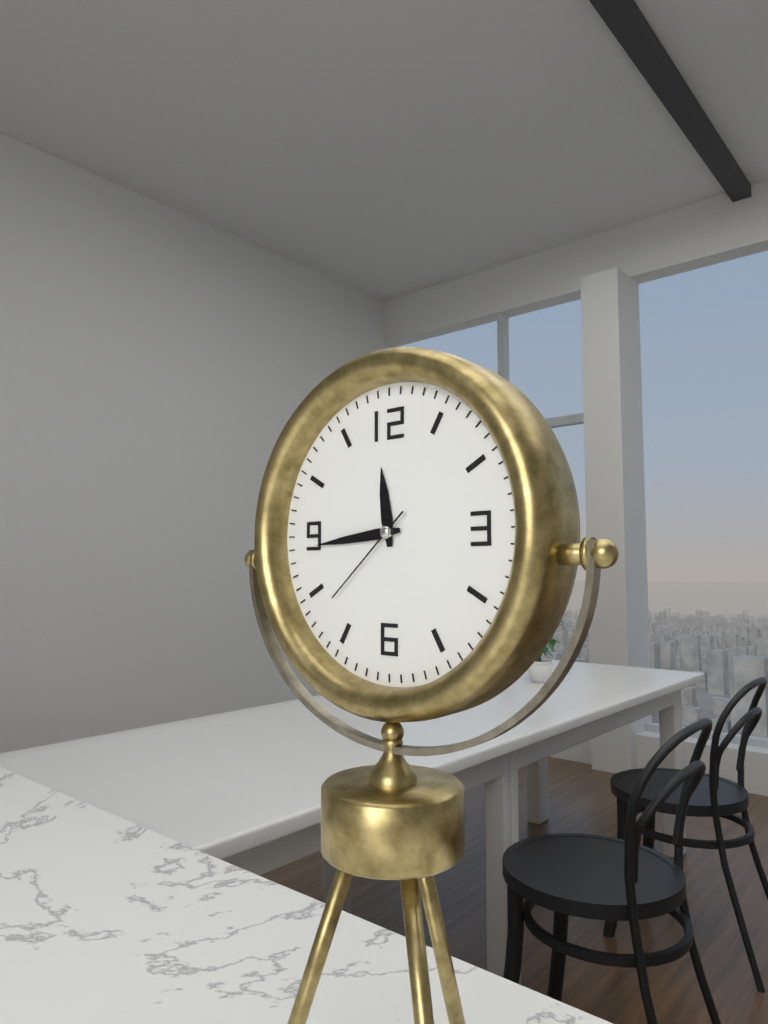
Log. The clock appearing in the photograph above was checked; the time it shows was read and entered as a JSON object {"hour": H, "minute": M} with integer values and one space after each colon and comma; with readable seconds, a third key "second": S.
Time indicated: {"hour": 11, "minute": 44, "second": 38}
